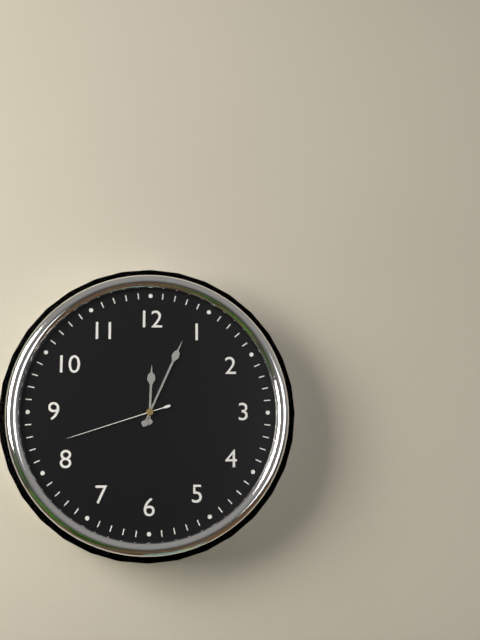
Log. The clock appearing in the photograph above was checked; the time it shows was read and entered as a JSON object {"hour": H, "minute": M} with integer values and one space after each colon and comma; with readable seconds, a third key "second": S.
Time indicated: {"hour": 12, "minute": 4, "second": 42}
